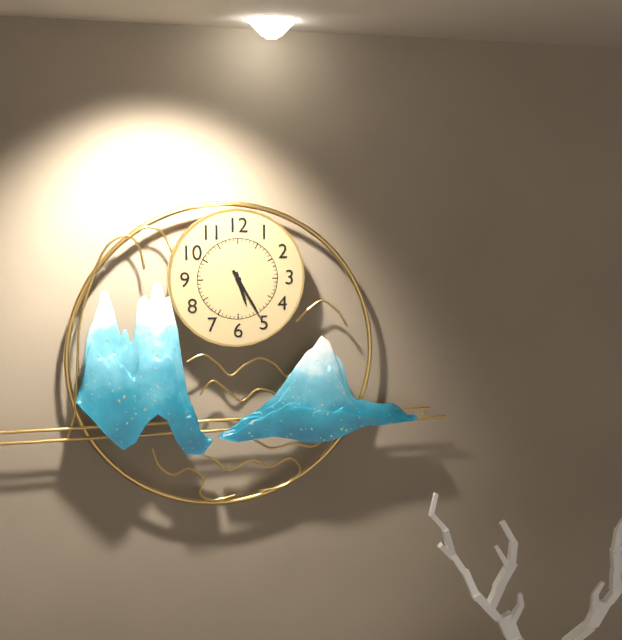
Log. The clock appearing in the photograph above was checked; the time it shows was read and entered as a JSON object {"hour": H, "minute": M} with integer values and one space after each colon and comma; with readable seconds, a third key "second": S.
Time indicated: {"hour": 5, "minute": 25}
